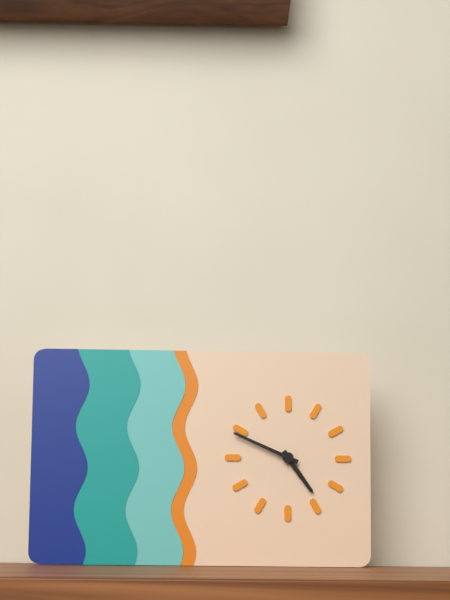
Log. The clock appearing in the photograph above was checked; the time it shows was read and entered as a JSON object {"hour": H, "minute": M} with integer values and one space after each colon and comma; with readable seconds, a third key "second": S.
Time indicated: {"hour": 4, "minute": 49}
